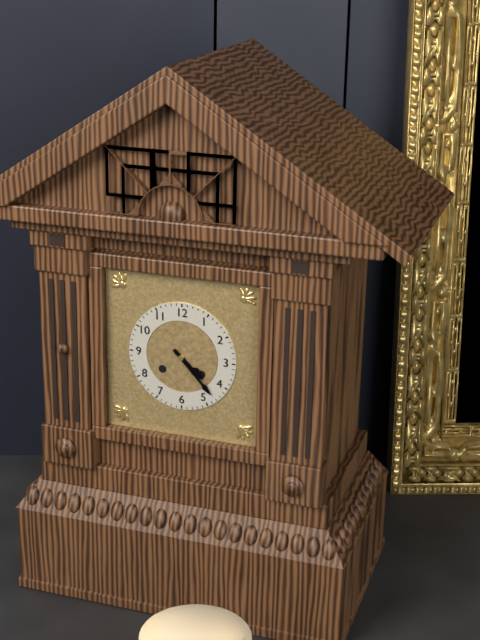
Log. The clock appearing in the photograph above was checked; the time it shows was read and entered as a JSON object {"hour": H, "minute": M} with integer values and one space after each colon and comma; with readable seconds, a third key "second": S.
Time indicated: {"hour": 4, "minute": 23}
